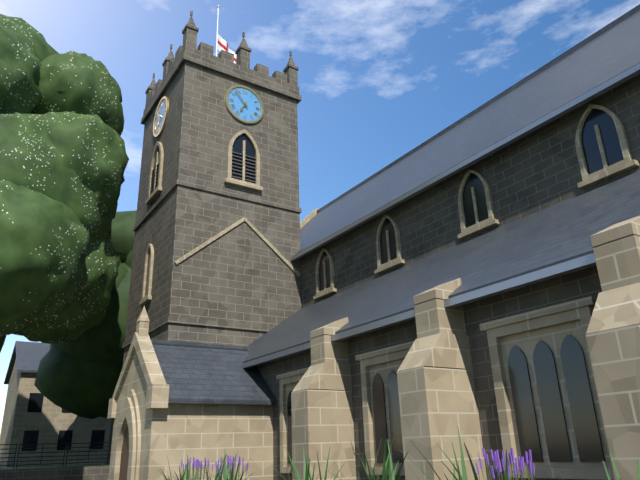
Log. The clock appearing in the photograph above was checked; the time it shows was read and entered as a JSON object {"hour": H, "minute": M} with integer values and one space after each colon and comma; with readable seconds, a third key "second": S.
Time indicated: {"hour": 6, "minute": 53}
